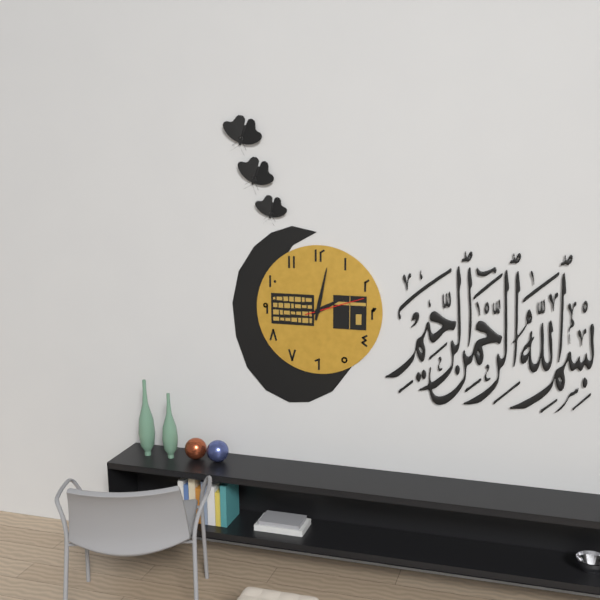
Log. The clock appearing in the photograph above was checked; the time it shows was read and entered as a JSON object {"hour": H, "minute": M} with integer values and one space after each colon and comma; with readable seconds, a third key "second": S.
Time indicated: {"hour": 2, "minute": 2, "second": 12}
